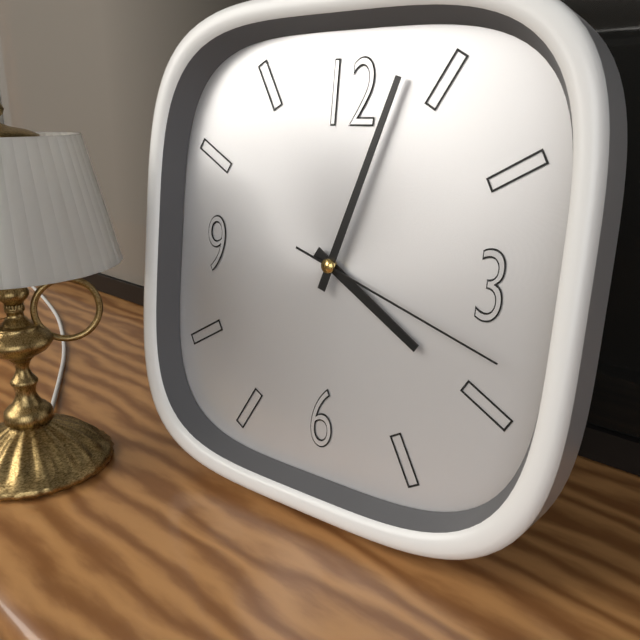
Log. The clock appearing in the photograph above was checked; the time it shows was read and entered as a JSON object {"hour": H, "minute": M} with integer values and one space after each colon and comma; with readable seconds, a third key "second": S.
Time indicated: {"hour": 4, "minute": 3, "second": 18}
